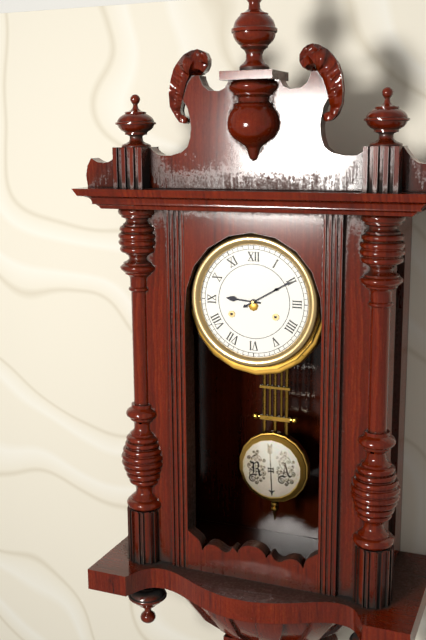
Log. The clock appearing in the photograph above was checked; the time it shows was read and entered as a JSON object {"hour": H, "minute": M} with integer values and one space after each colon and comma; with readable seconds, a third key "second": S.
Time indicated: {"hour": 9, "minute": 10}
